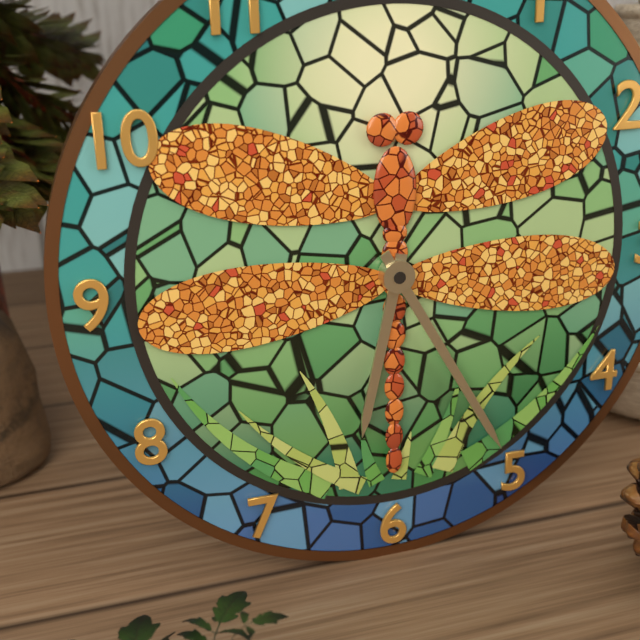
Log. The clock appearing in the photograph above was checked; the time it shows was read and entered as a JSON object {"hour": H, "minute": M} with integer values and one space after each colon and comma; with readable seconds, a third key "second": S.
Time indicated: {"hour": 6, "minute": 25}
